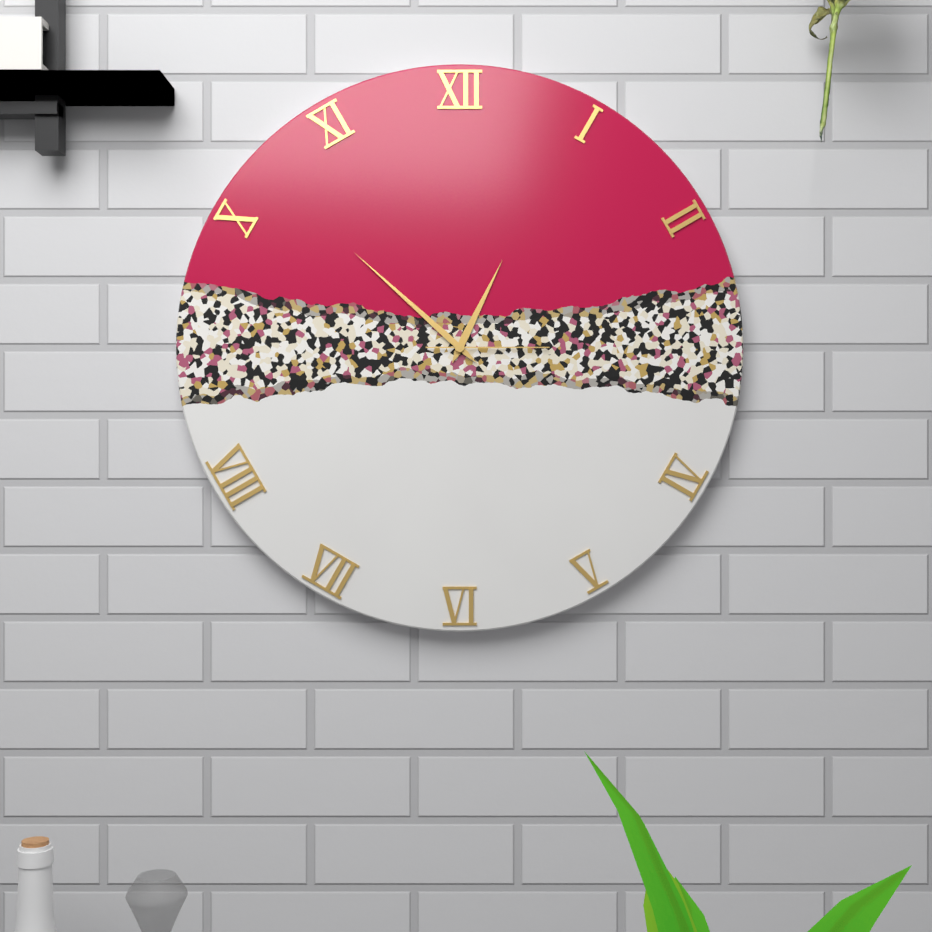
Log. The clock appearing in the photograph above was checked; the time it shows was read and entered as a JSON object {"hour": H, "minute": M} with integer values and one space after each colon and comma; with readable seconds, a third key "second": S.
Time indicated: {"hour": 12, "minute": 52, "second": 15}
